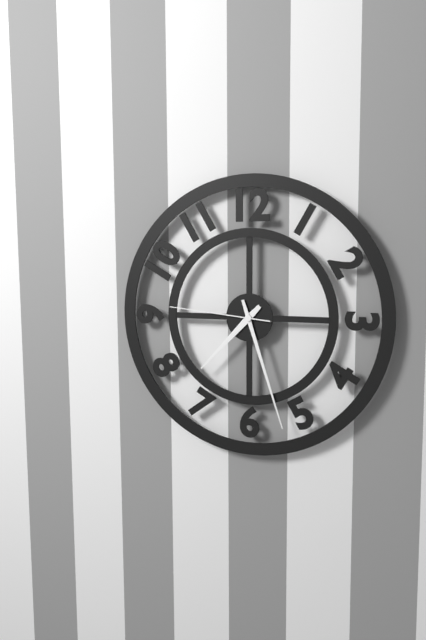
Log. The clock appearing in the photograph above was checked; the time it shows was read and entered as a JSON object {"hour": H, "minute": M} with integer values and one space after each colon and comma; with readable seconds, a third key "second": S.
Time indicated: {"hour": 7, "minute": 27, "second": 46}
